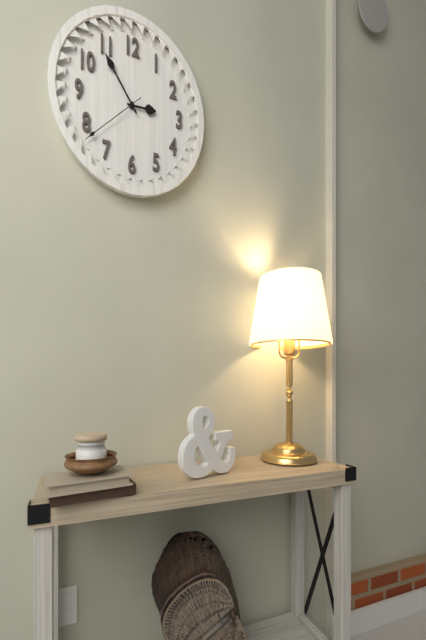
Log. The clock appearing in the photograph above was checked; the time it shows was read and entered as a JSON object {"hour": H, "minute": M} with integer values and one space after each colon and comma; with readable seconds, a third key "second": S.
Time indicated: {"hour": 2, "minute": 54, "second": 38}
